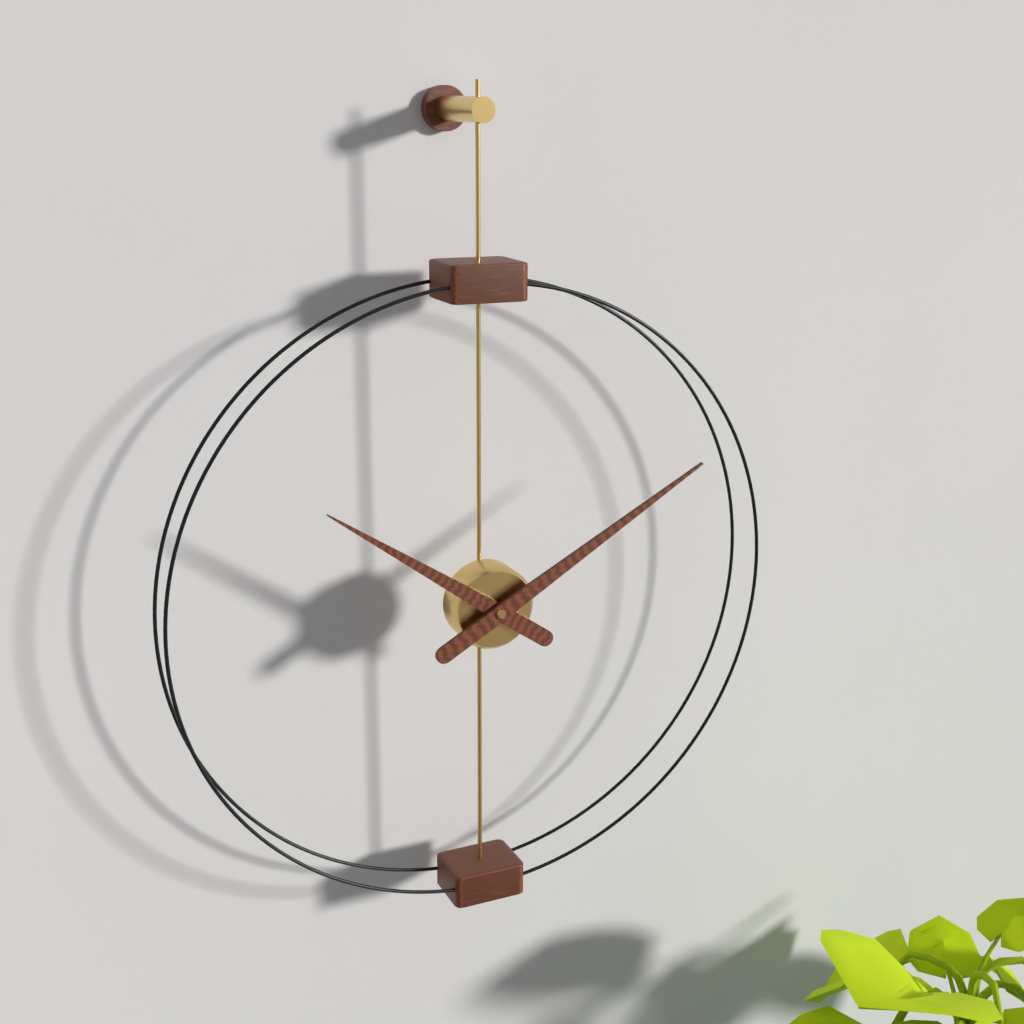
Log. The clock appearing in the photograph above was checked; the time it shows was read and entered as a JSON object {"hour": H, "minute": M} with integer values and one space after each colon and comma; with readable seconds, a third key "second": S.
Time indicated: {"hour": 10, "minute": 10}
